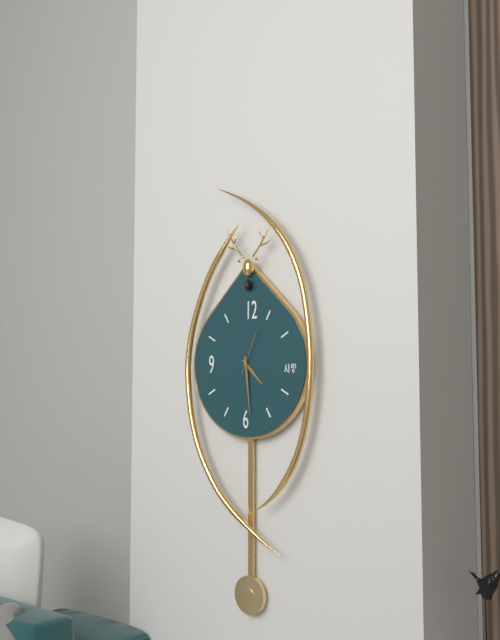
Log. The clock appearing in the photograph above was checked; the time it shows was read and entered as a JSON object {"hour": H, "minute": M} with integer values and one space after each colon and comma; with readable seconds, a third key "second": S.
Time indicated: {"hour": 4, "minute": 29}
